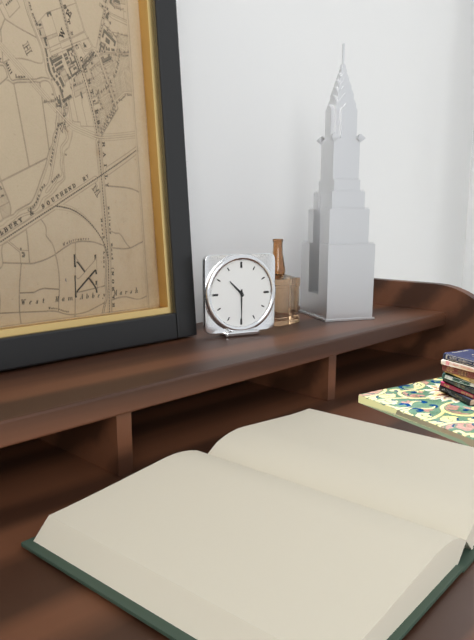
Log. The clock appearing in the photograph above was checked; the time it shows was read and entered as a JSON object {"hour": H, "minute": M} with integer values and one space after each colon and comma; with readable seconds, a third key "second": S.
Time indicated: {"hour": 10, "minute": 30}
